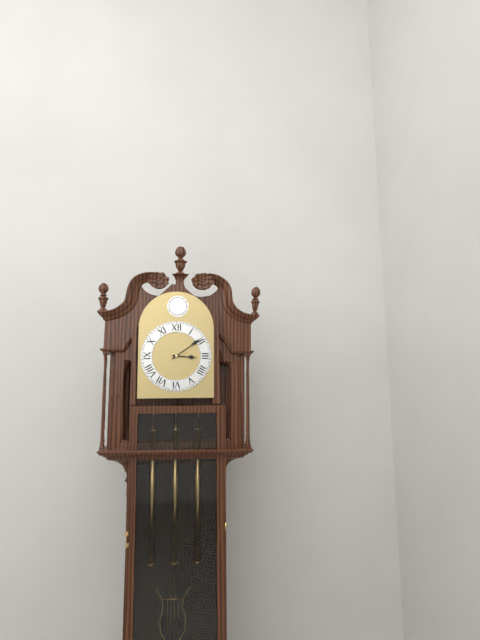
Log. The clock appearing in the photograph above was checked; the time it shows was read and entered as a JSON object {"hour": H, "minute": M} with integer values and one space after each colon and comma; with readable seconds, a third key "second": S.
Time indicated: {"hour": 3, "minute": 9}
